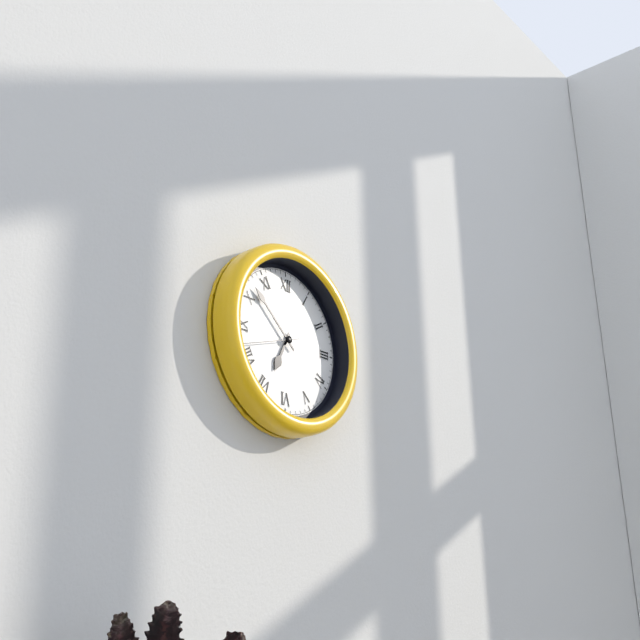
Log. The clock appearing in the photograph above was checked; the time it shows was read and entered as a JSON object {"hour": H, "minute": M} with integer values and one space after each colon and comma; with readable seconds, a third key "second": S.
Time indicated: {"hour": 6, "minute": 52, "second": 42}
